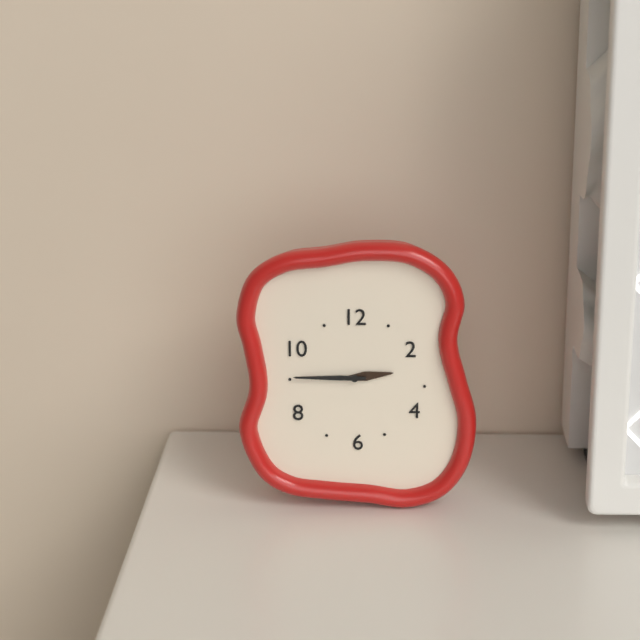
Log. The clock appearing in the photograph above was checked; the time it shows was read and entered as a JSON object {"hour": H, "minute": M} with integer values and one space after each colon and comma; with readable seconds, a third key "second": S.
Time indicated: {"hour": 2, "minute": 45}
